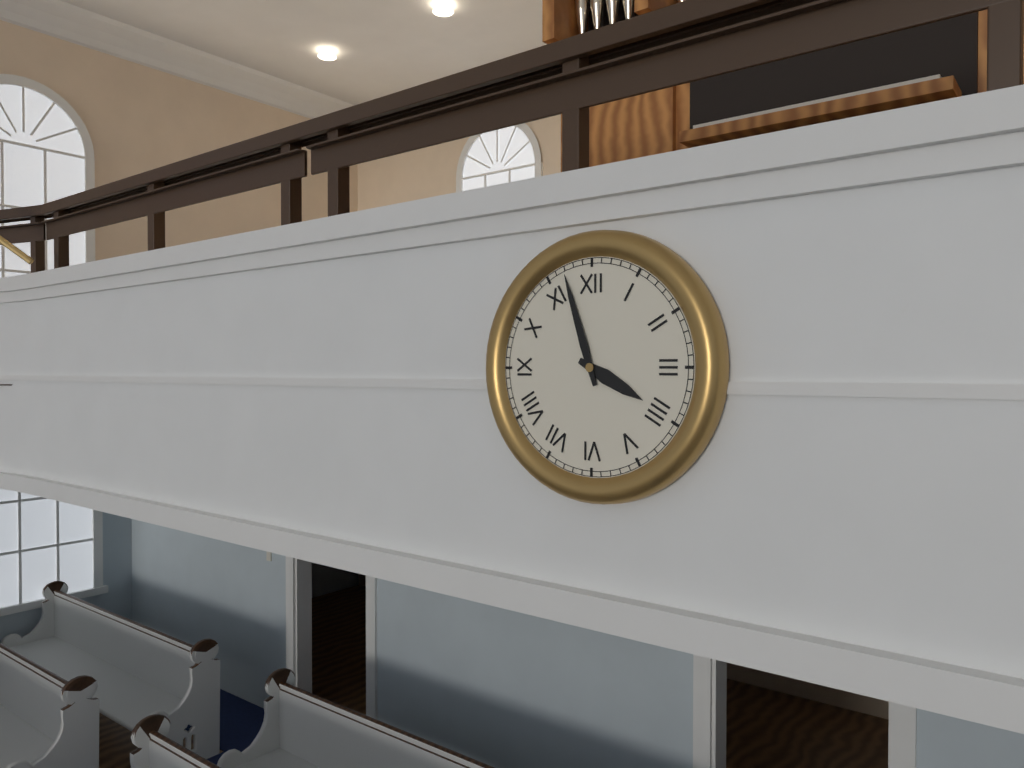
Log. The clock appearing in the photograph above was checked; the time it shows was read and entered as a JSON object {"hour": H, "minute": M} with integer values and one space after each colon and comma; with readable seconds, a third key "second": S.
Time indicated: {"hour": 3, "minute": 57}
